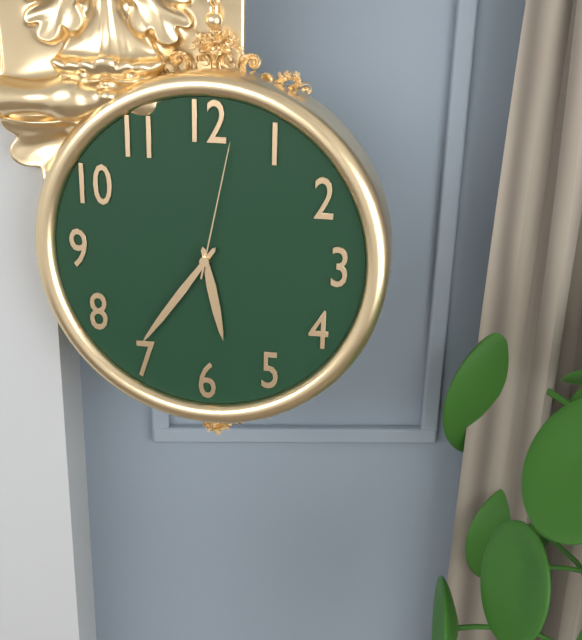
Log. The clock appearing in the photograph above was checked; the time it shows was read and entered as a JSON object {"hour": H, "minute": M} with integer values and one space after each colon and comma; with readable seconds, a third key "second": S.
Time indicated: {"hour": 5, "minute": 36, "second": 2}
